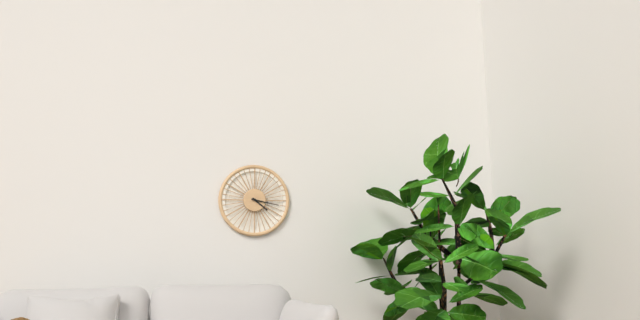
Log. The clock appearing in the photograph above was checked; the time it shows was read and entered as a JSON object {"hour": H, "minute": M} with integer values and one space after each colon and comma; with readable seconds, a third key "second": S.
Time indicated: {"hour": 4, "minute": 17}
